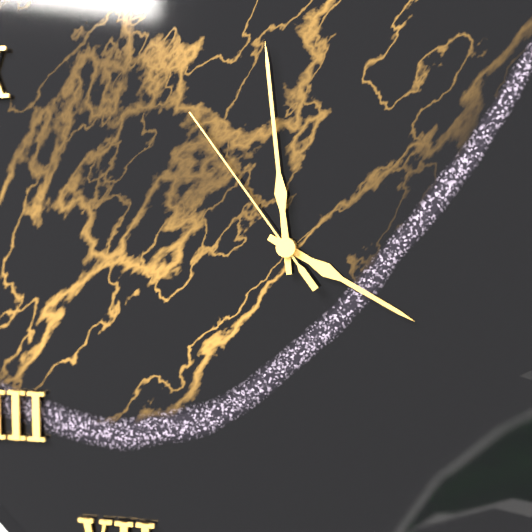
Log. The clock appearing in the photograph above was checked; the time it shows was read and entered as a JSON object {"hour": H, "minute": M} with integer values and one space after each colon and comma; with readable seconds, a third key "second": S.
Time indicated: {"hour": 3, "minute": 59, "second": 54}
